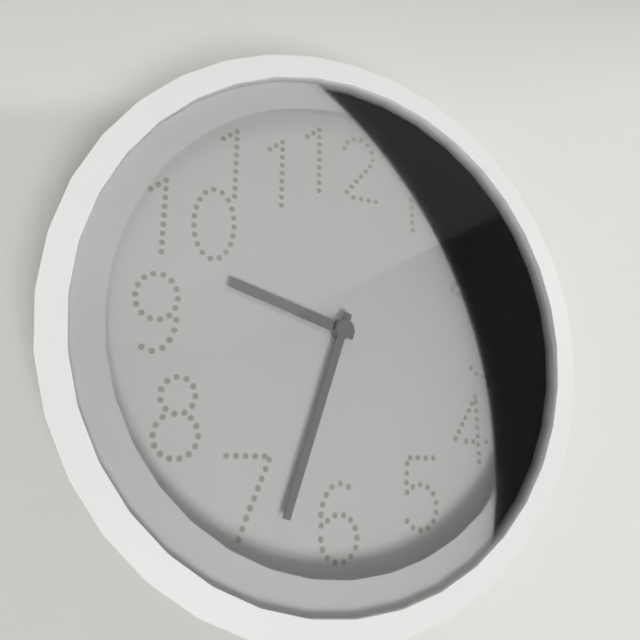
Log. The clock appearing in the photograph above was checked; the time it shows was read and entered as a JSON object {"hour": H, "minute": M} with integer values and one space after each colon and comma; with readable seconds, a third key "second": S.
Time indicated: {"hour": 9, "minute": 33}
